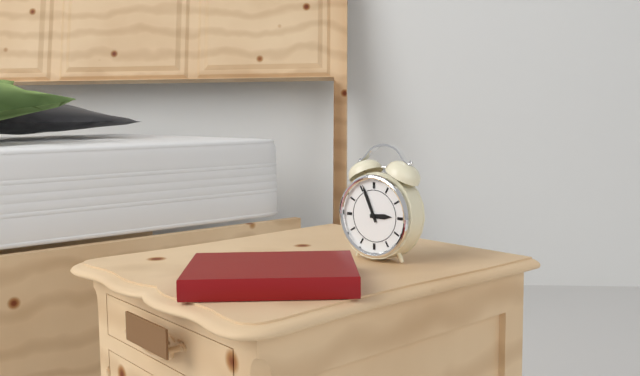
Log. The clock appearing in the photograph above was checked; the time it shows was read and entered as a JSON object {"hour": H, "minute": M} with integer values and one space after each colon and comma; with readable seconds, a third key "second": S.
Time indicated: {"hour": 2, "minute": 56}
